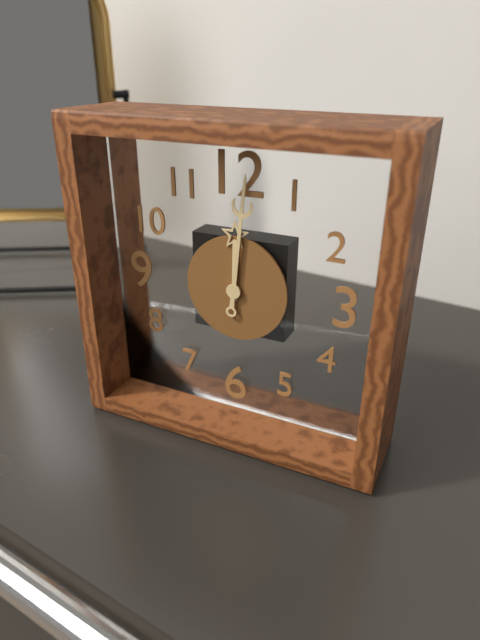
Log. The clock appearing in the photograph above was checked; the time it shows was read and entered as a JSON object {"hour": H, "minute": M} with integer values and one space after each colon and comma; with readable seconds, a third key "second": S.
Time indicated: {"hour": 12, "minute": 1}
